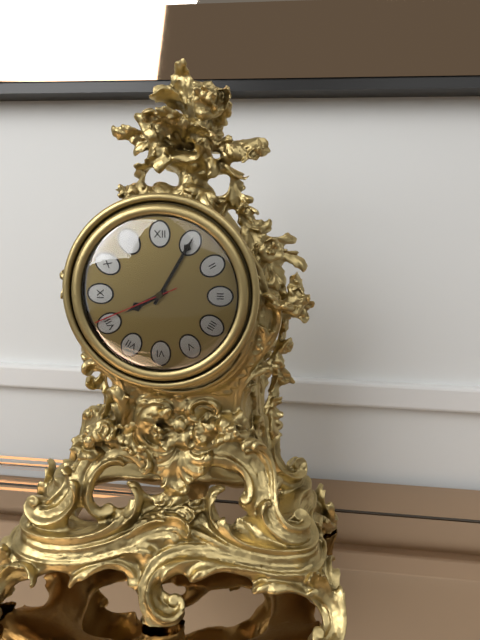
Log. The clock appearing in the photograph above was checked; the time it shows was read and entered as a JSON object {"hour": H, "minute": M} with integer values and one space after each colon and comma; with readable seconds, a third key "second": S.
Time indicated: {"hour": 8, "minute": 5, "second": 41}
